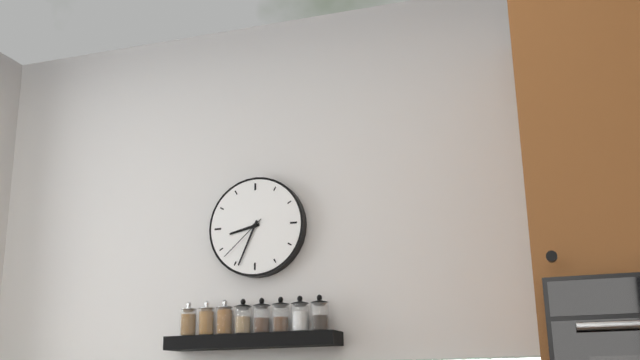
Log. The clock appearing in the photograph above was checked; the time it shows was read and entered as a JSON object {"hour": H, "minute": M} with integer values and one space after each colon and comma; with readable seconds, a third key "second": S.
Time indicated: {"hour": 8, "minute": 34, "second": 38}
